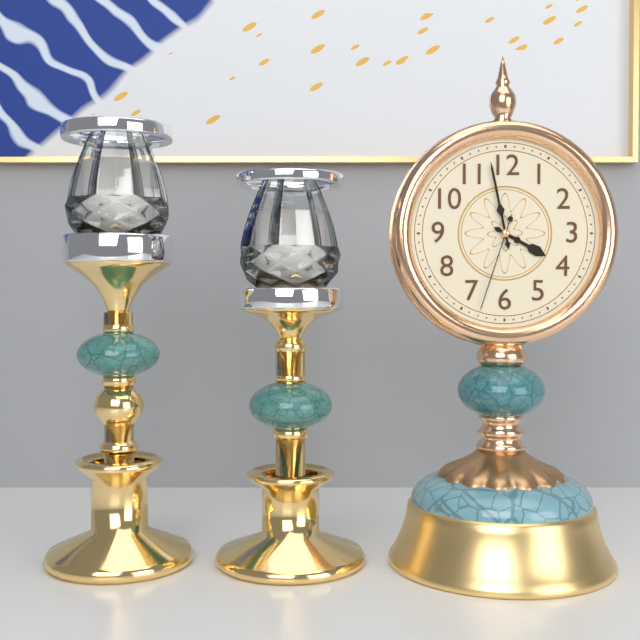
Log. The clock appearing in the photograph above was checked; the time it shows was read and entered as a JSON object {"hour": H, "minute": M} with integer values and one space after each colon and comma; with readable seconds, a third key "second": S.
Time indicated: {"hour": 3, "minute": 58, "second": 33}
